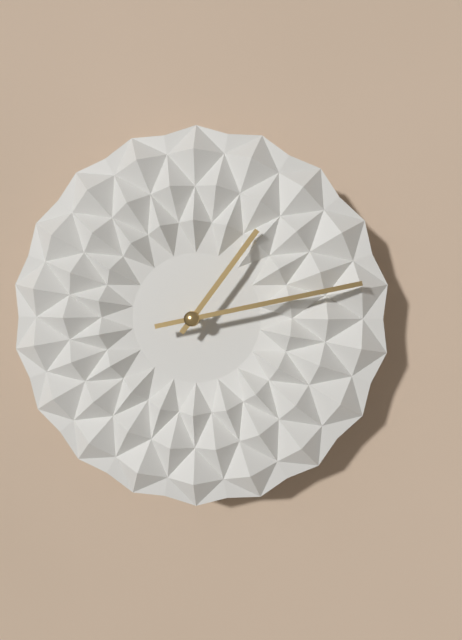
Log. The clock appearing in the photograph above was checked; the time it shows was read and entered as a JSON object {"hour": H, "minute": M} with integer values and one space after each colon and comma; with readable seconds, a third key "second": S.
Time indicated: {"hour": 1, "minute": 13}
